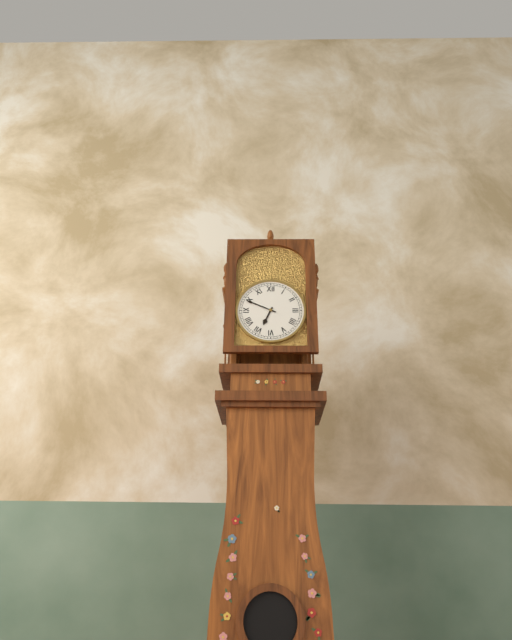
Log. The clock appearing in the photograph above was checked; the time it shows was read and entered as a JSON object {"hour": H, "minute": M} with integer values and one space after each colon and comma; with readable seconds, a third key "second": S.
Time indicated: {"hour": 6, "minute": 49}
